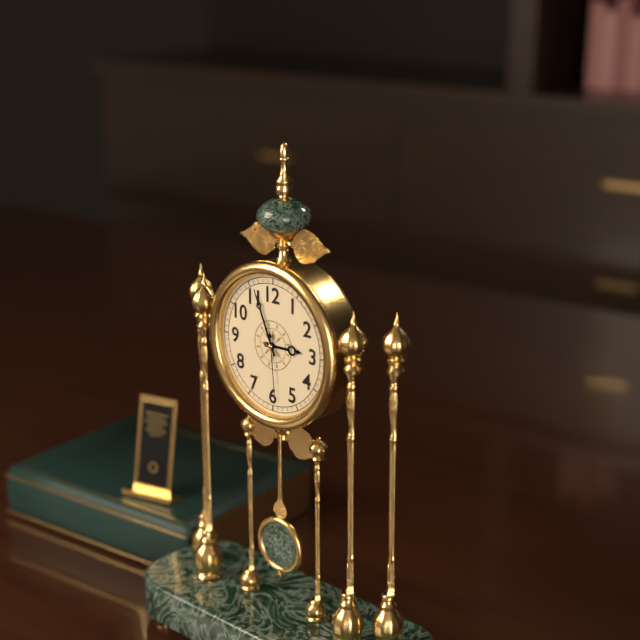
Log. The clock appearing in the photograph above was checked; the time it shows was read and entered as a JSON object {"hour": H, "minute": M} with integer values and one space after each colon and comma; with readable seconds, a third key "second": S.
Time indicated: {"hour": 2, "minute": 56, "second": 29}
